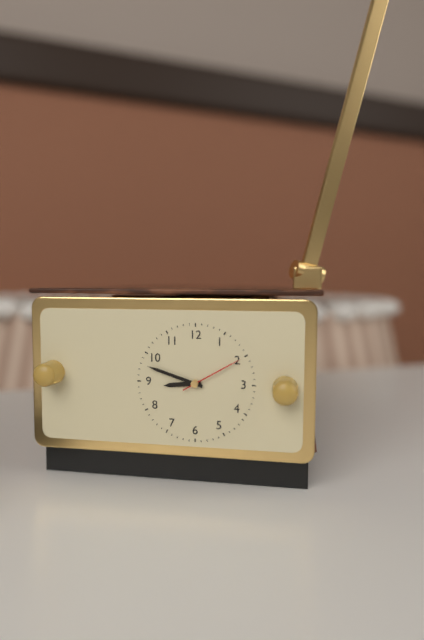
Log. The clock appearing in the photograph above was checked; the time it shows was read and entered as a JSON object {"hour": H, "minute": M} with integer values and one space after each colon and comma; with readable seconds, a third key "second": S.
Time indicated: {"hour": 8, "minute": 48, "second": 10}
